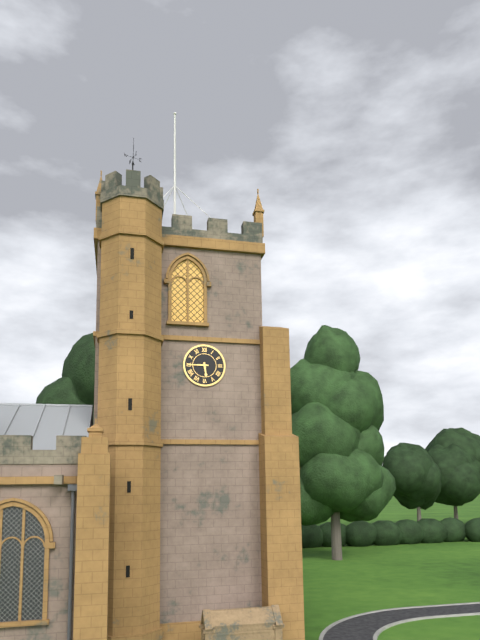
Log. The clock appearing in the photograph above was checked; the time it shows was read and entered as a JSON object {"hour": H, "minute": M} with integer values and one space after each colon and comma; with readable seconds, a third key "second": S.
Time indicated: {"hour": 5, "minute": 45}
